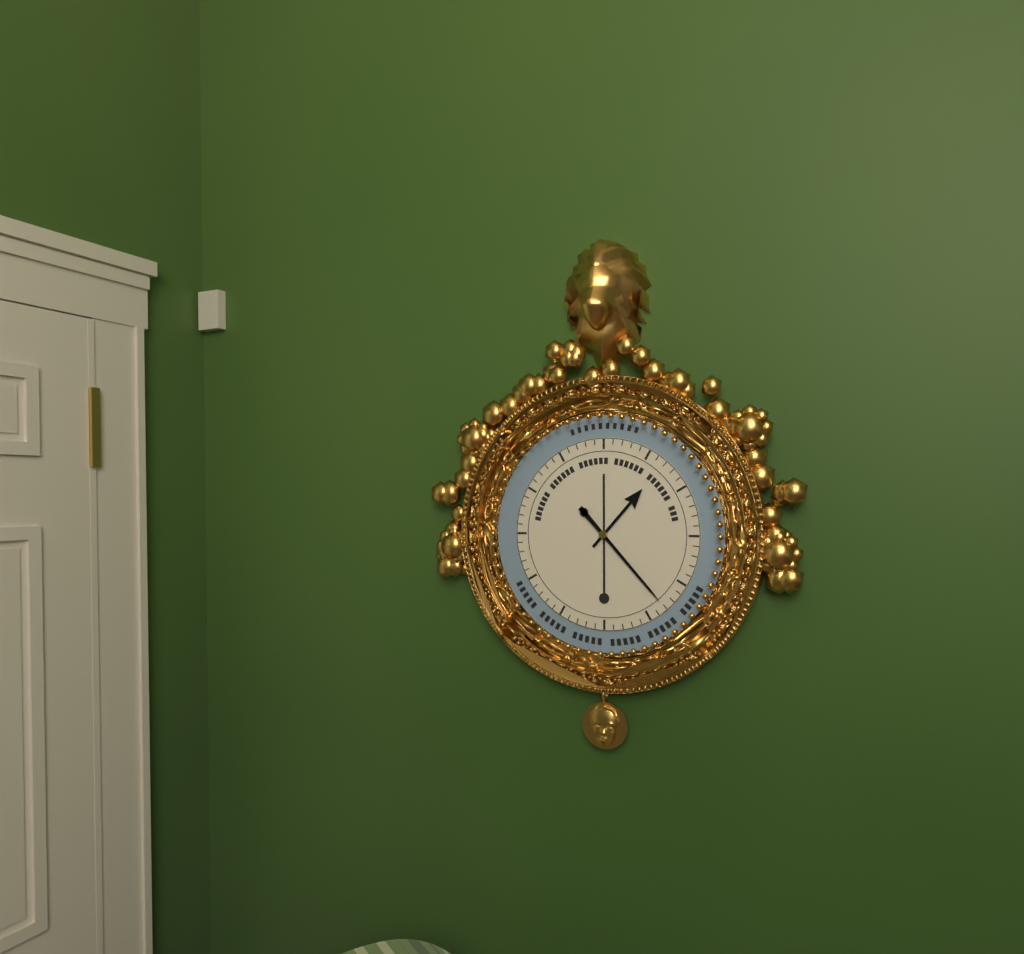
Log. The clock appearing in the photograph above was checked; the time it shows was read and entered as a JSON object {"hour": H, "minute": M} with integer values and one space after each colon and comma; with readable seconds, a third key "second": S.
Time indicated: {"hour": 1, "minute": 23}
